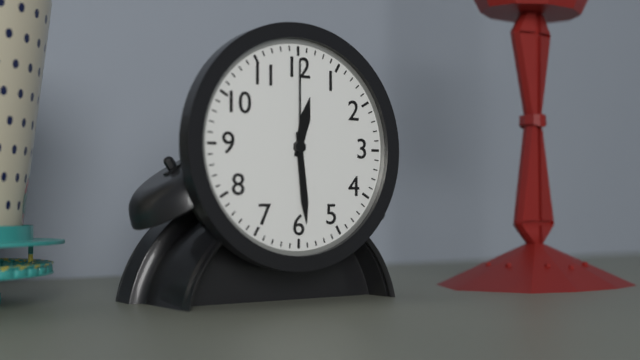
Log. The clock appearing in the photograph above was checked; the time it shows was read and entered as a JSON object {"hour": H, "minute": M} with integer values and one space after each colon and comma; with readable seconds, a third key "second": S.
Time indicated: {"hour": 12, "minute": 29, "second": 0}
